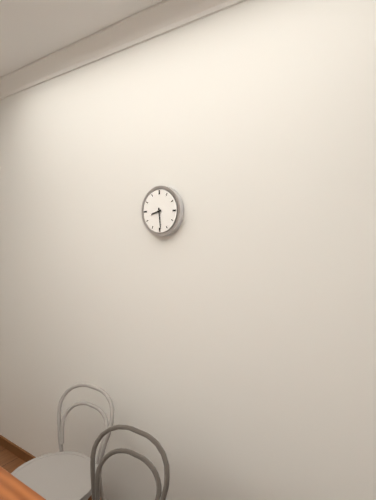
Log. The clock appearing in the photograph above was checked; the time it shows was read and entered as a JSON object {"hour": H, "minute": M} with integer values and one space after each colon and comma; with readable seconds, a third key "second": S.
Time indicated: {"hour": 8, "minute": 29}
